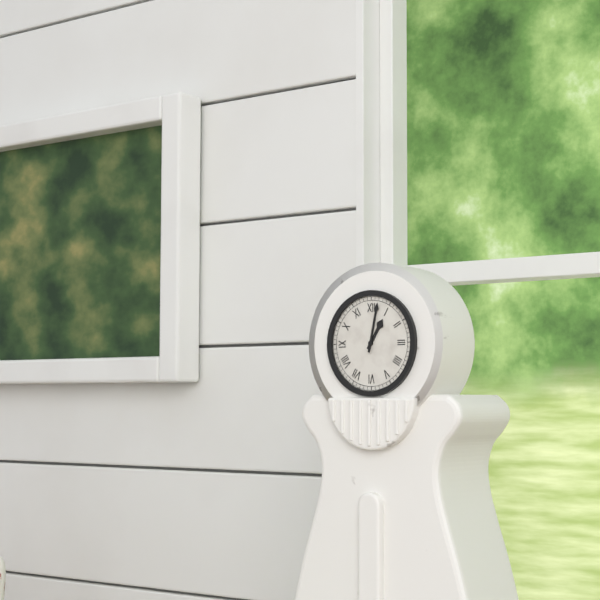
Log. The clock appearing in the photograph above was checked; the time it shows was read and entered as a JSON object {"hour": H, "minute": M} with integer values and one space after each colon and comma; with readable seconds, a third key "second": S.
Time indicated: {"hour": 1, "minute": 2}
